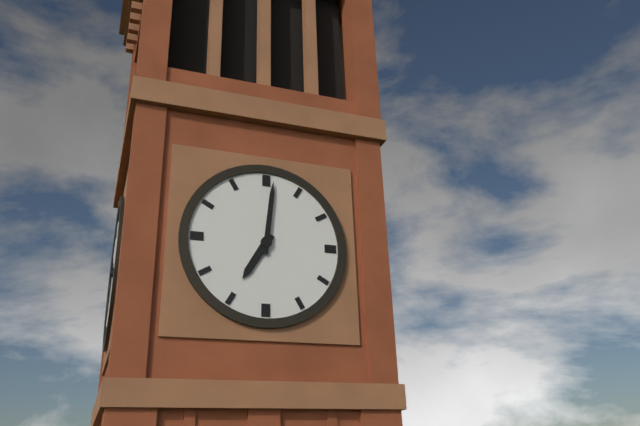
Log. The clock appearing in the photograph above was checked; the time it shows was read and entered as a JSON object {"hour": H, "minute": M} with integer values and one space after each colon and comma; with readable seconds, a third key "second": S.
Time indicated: {"hour": 7, "minute": 1}
